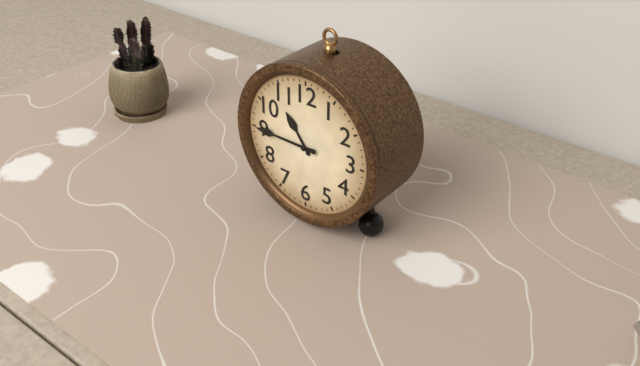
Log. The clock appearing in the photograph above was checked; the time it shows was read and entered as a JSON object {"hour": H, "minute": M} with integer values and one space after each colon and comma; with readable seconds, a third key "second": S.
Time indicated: {"hour": 10, "minute": 45}
